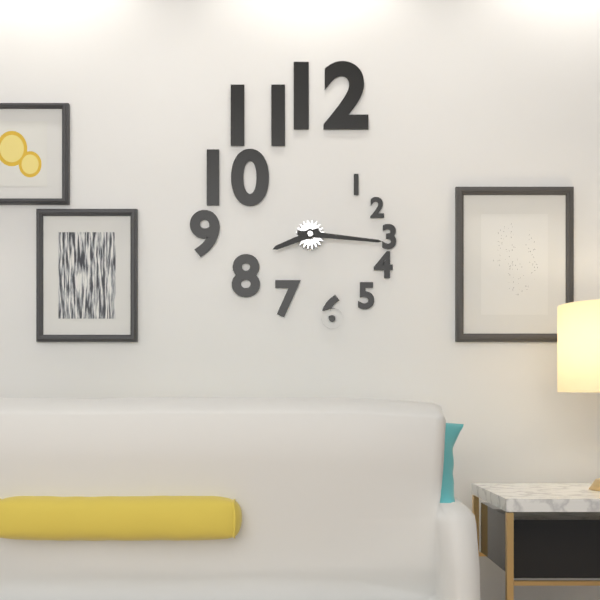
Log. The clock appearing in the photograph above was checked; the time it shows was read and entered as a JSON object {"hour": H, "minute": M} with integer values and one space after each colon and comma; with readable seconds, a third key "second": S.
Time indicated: {"hour": 8, "minute": 16}
